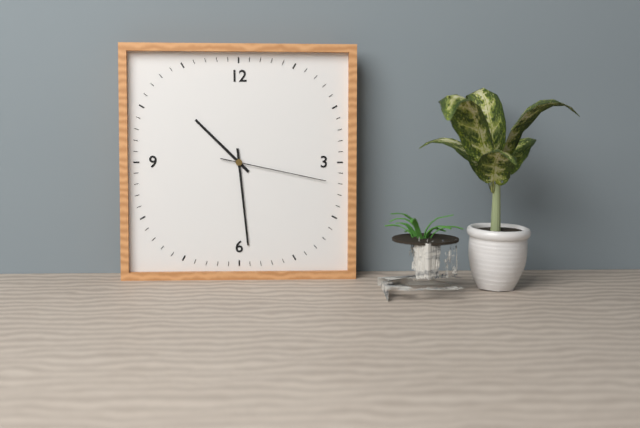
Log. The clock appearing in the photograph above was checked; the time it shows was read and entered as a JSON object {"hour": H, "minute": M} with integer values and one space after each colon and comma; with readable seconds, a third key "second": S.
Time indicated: {"hour": 10, "minute": 29, "second": 17}
